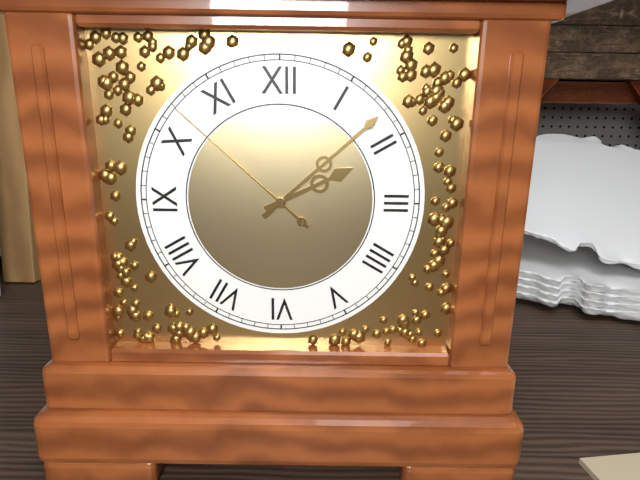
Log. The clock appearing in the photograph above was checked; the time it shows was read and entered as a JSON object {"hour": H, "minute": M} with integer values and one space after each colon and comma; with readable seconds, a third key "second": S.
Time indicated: {"hour": 2, "minute": 8, "second": 52}
